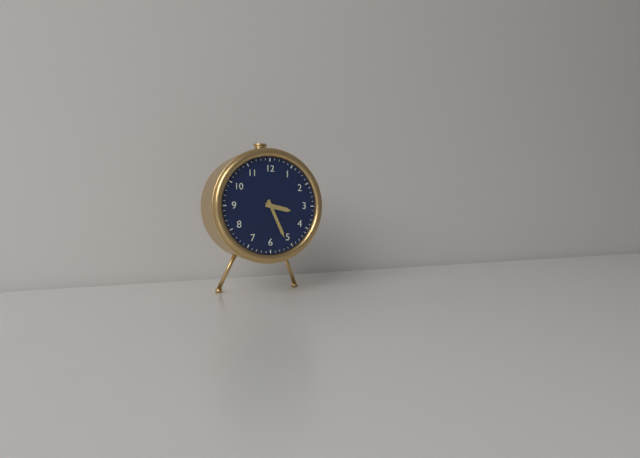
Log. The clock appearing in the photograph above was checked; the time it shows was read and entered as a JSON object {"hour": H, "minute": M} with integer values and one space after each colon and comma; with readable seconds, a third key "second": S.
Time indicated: {"hour": 3, "minute": 26}
